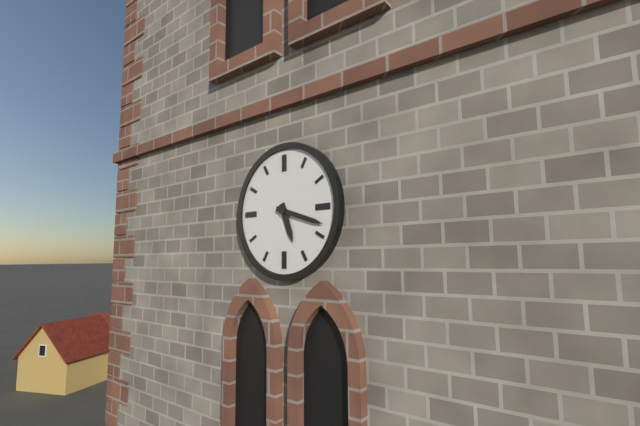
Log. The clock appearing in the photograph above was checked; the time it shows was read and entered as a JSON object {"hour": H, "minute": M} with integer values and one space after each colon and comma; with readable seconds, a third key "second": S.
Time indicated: {"hour": 5, "minute": 18}
